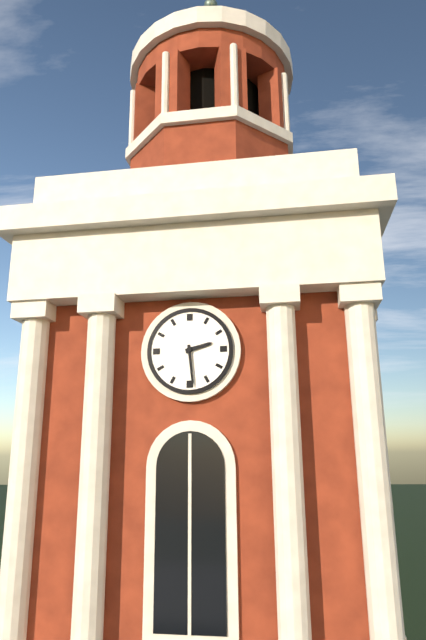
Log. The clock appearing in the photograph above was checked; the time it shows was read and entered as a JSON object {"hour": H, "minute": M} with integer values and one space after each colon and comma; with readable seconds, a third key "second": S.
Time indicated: {"hour": 2, "minute": 29}
